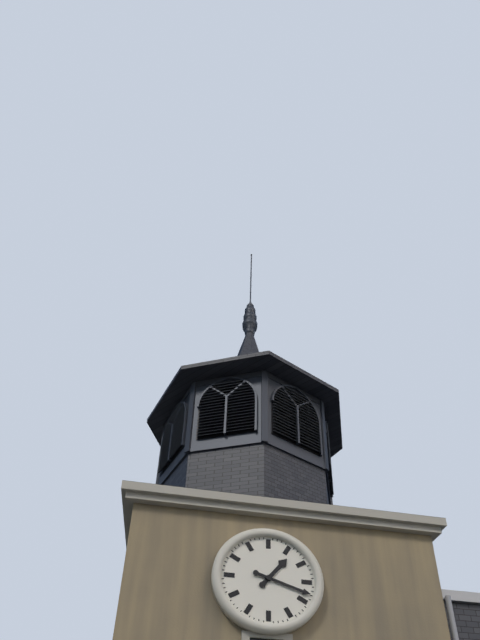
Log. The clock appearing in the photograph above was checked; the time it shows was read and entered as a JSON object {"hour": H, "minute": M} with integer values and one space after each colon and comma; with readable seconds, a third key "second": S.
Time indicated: {"hour": 1, "minute": 18}
